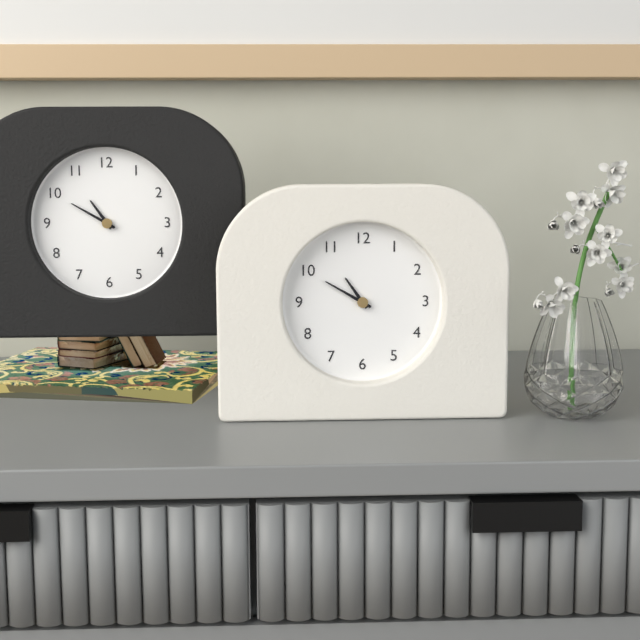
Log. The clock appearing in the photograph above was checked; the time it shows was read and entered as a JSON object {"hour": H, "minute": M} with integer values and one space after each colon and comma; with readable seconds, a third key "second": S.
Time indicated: {"hour": 10, "minute": 50}
